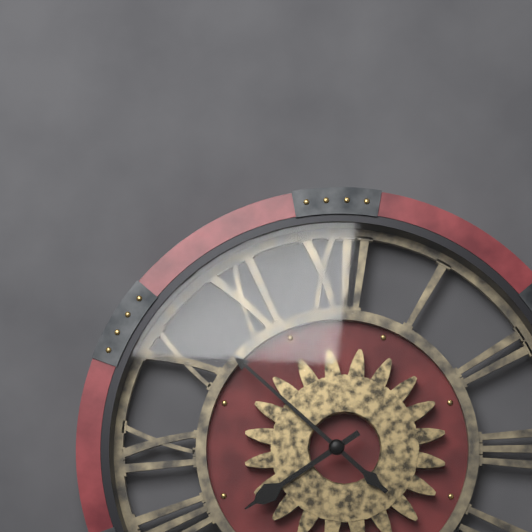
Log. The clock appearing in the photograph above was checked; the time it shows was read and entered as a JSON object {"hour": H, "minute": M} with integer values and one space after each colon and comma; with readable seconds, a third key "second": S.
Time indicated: {"hour": 7, "minute": 52}
